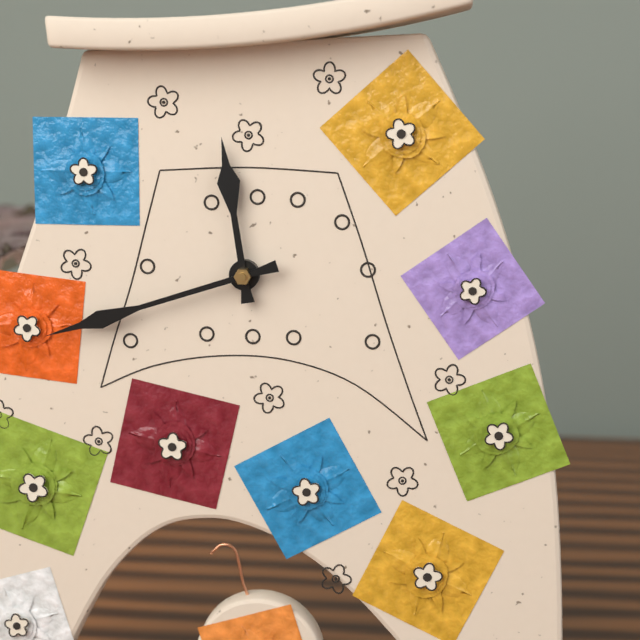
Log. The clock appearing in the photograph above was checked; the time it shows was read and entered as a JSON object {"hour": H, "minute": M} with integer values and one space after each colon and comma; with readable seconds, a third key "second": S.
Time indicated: {"hour": 11, "minute": 42}
